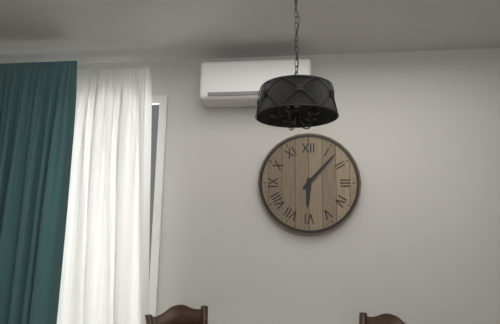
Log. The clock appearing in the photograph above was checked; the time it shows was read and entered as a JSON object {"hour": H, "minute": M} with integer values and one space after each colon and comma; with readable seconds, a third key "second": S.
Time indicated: {"hour": 6, "minute": 7}
